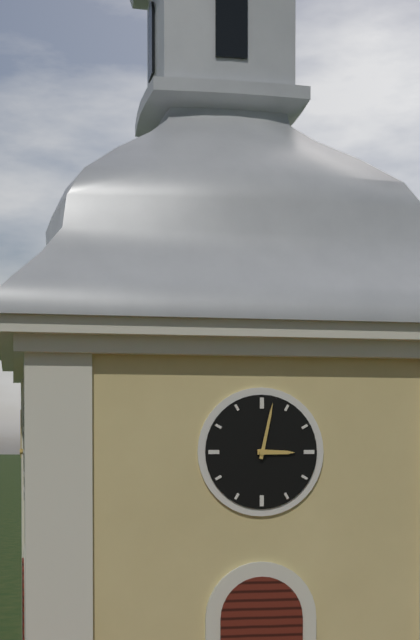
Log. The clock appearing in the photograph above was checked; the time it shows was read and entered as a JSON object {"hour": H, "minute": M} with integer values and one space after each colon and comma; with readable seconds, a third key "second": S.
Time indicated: {"hour": 3, "minute": 2}
